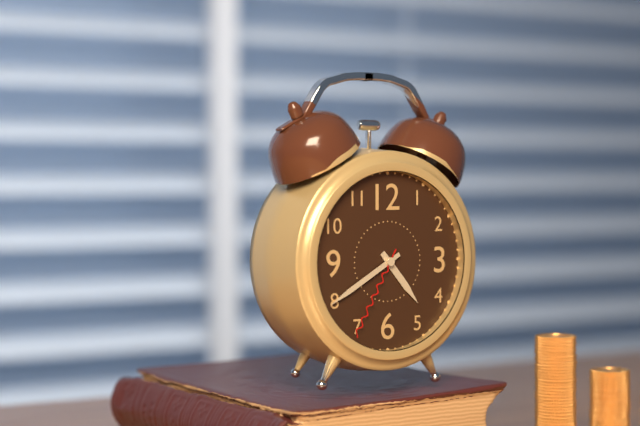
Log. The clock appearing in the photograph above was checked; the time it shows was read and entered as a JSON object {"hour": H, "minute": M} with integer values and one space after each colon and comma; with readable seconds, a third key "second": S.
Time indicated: {"hour": 4, "minute": 40, "second": 35}
